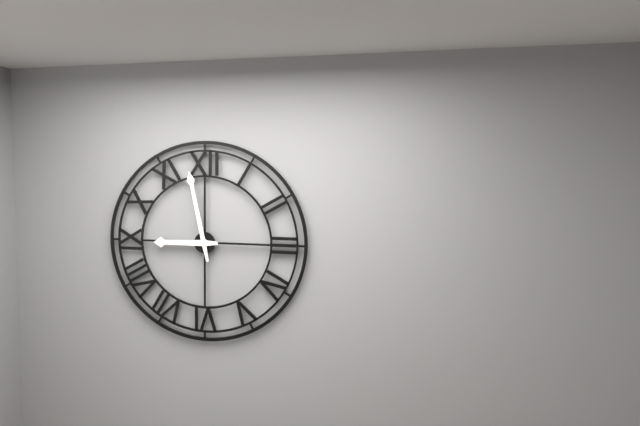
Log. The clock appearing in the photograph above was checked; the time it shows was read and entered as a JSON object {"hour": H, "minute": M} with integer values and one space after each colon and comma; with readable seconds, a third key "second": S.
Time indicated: {"hour": 8, "minute": 58}
